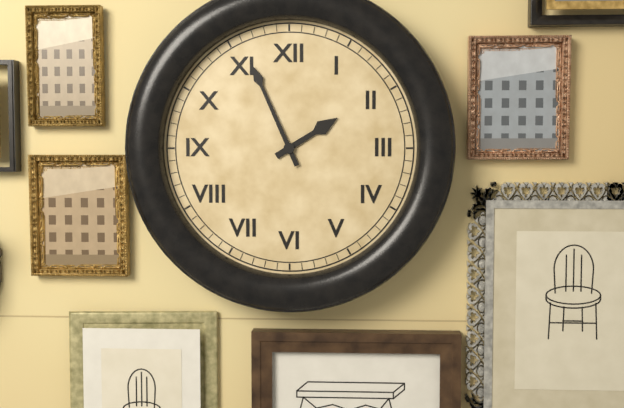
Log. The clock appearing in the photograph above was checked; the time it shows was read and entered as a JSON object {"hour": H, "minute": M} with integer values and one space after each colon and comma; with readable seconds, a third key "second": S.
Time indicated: {"hour": 1, "minute": 56}
